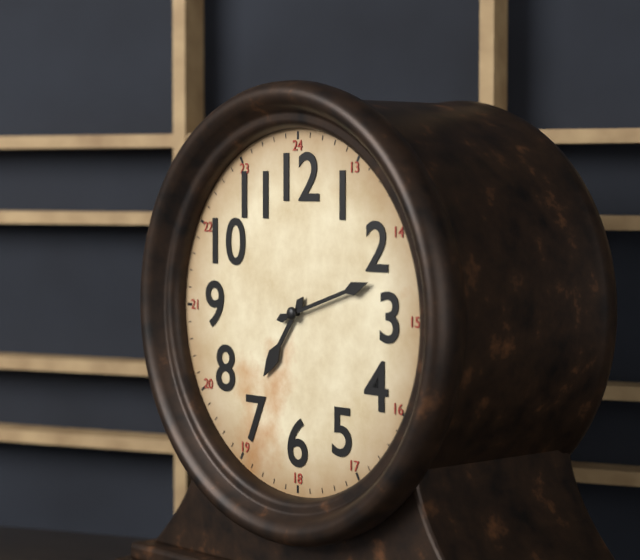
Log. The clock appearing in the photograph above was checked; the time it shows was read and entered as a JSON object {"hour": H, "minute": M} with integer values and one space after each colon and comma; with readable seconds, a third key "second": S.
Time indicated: {"hour": 7, "minute": 12}
